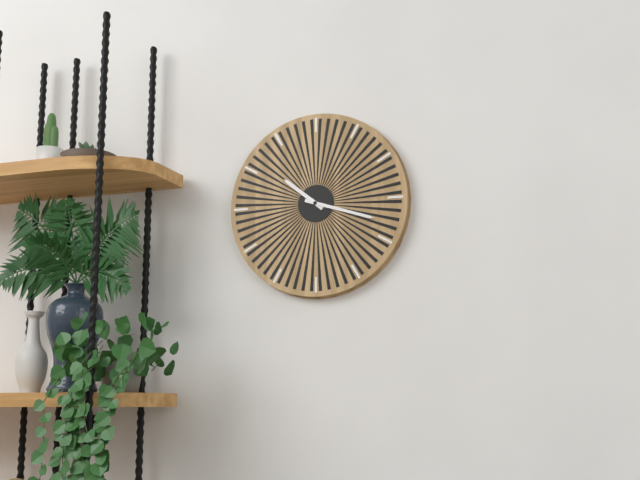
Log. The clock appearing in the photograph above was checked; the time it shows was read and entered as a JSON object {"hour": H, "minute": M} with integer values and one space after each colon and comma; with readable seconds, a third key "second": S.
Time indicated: {"hour": 10, "minute": 18}
